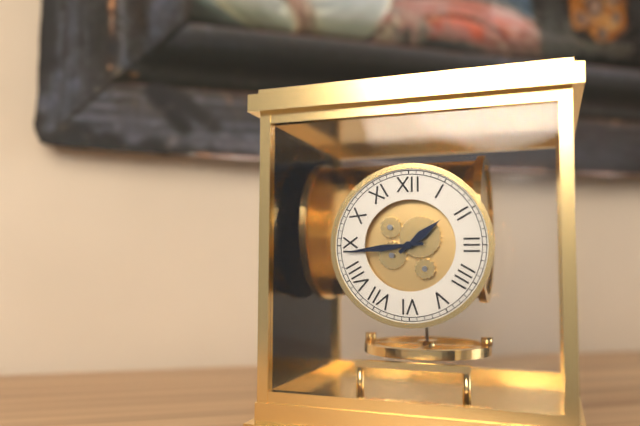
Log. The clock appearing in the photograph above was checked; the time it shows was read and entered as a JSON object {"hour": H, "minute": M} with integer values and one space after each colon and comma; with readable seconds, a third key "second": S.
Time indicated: {"hour": 1, "minute": 44}
